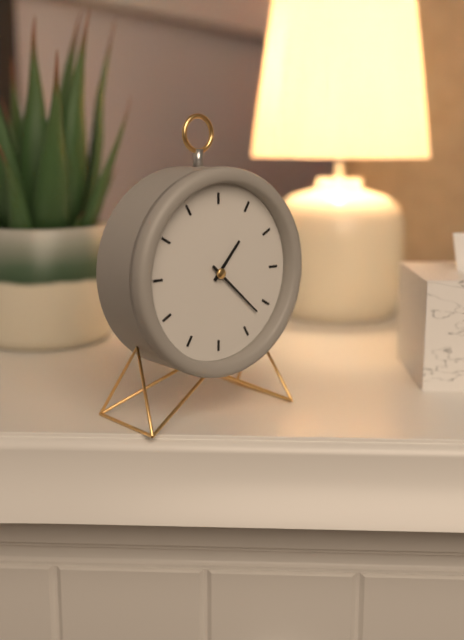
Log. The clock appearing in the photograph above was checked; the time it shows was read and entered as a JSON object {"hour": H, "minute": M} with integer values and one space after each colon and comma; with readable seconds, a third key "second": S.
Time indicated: {"hour": 1, "minute": 22}
